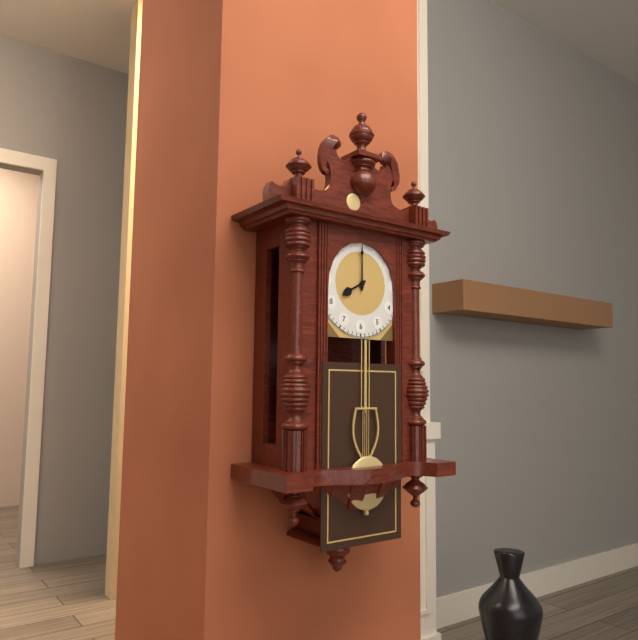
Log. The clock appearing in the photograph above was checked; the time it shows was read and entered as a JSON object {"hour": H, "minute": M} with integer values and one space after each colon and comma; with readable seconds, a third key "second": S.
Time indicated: {"hour": 8, "minute": 0}
